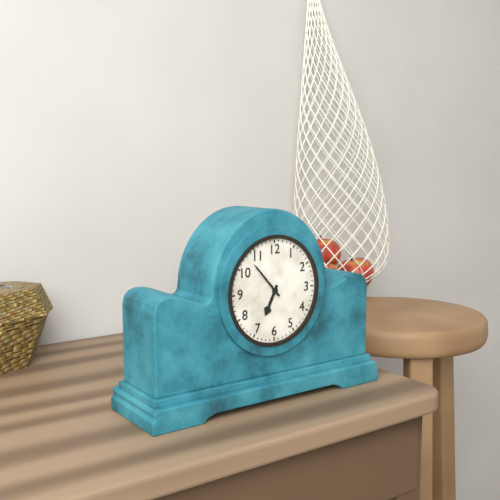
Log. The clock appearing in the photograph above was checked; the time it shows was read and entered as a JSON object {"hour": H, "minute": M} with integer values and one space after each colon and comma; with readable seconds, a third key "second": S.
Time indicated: {"hour": 6, "minute": 53}
